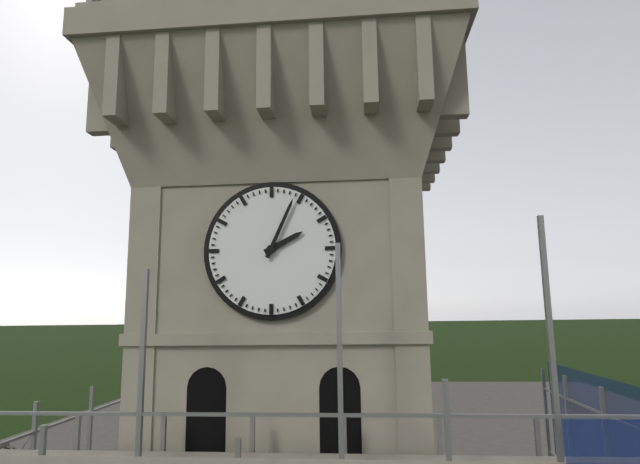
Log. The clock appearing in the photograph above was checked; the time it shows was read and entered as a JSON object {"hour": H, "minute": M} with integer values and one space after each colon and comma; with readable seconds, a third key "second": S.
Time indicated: {"hour": 2, "minute": 4}
